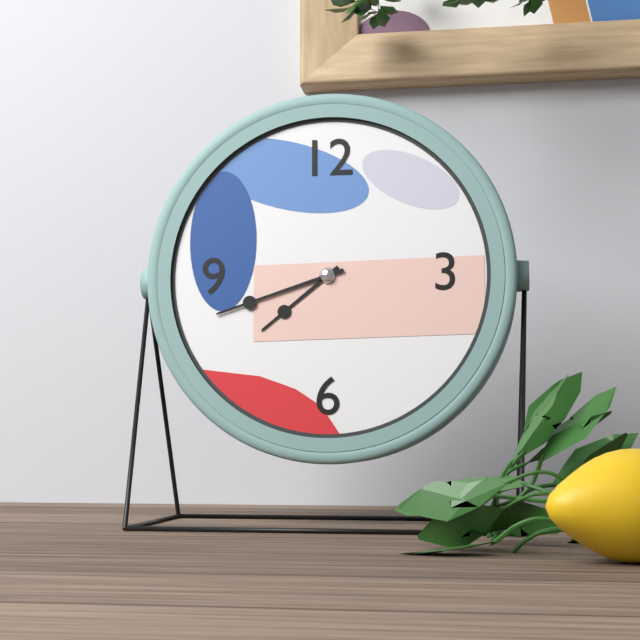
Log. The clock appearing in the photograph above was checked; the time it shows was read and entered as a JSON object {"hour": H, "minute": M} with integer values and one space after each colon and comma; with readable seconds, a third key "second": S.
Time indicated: {"hour": 7, "minute": 42}
